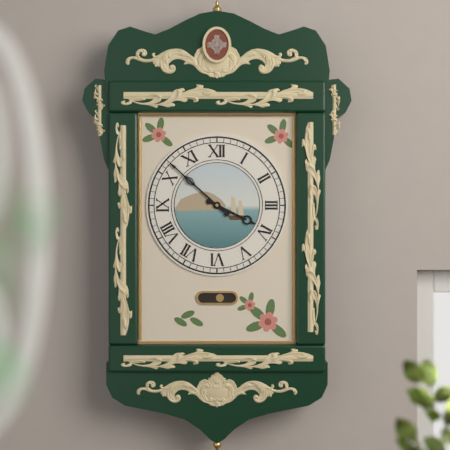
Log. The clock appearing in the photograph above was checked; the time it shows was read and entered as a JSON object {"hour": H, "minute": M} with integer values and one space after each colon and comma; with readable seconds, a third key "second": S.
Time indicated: {"hour": 3, "minute": 52}
